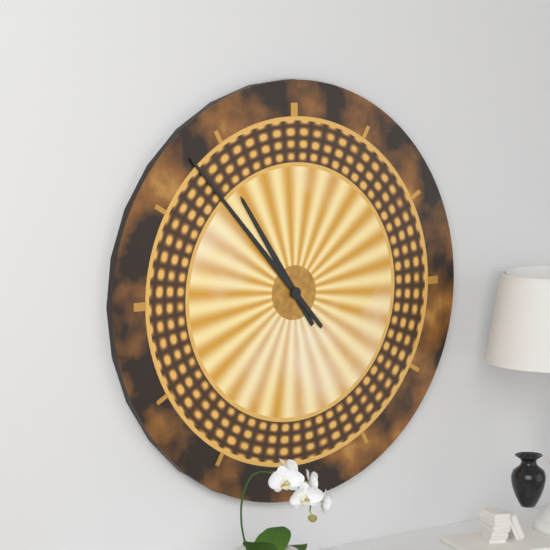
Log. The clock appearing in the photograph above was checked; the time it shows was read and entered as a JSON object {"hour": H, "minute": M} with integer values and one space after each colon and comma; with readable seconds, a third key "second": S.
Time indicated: {"hour": 10, "minute": 53}
